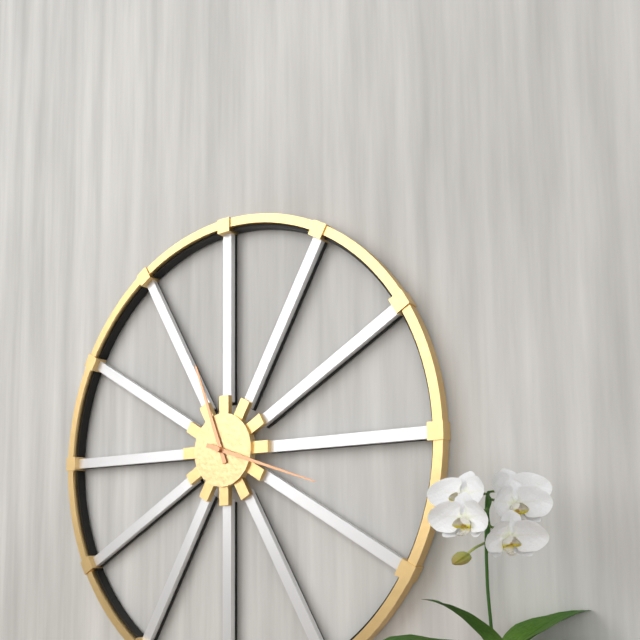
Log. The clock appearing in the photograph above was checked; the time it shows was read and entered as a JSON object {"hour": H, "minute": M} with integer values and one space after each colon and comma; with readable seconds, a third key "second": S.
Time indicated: {"hour": 11, "minute": 18}
